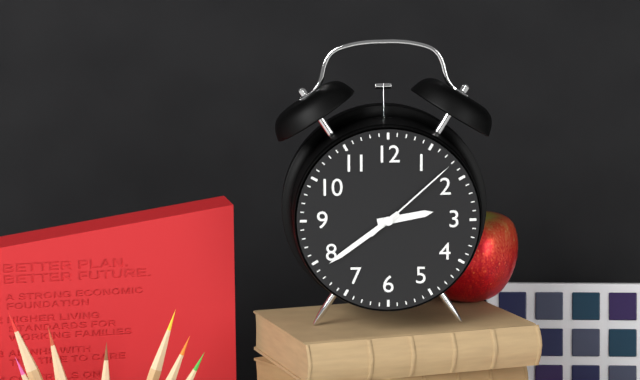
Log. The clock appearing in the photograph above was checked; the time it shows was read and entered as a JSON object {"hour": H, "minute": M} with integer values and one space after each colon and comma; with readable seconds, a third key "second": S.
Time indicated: {"hour": 2, "minute": 39, "second": 8}
